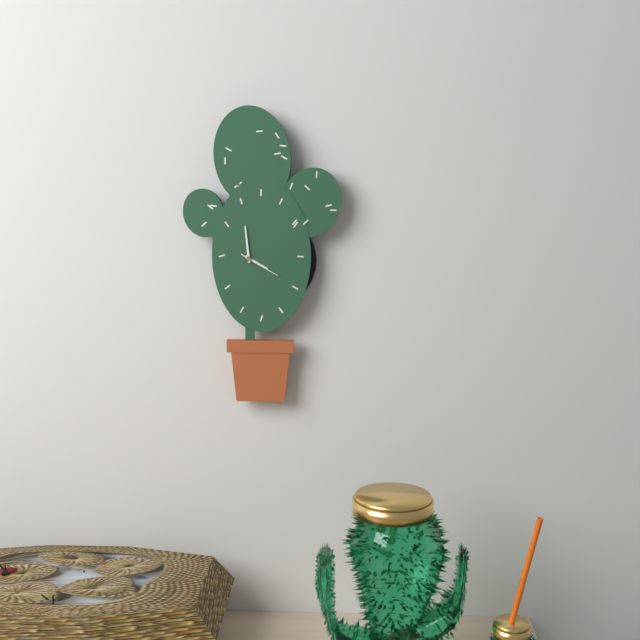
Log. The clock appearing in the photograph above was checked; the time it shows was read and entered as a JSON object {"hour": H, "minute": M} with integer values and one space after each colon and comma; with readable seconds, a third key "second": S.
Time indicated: {"hour": 3, "minute": 59}
